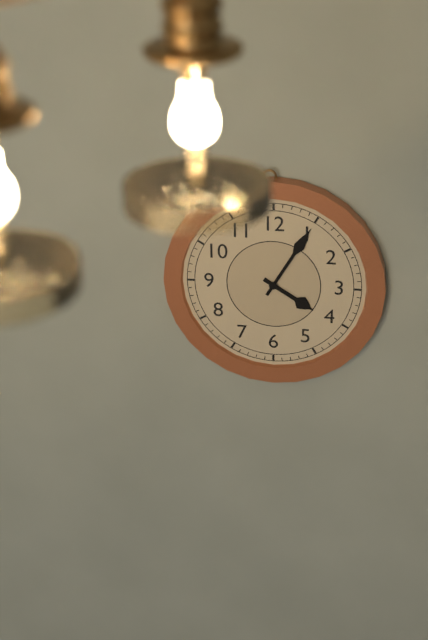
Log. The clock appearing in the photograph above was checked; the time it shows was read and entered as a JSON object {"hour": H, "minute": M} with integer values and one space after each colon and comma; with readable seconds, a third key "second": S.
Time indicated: {"hour": 4, "minute": 5}
